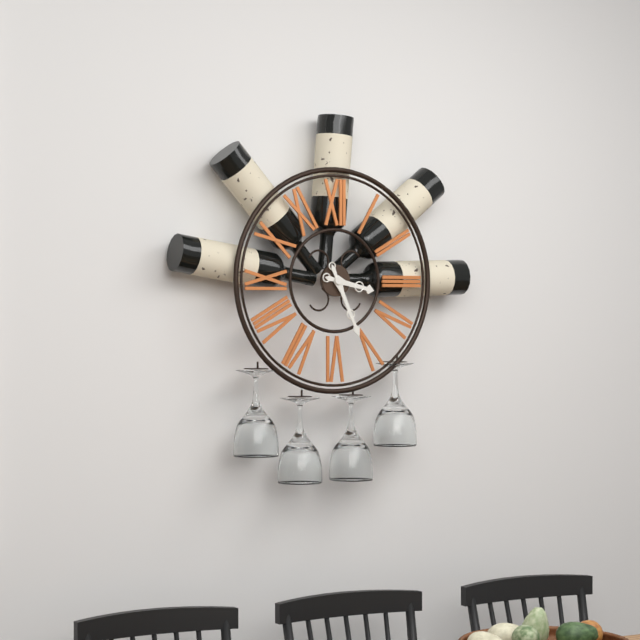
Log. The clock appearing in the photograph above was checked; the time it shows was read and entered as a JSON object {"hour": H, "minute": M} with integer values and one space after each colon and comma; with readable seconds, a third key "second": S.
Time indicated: {"hour": 3, "minute": 26}
